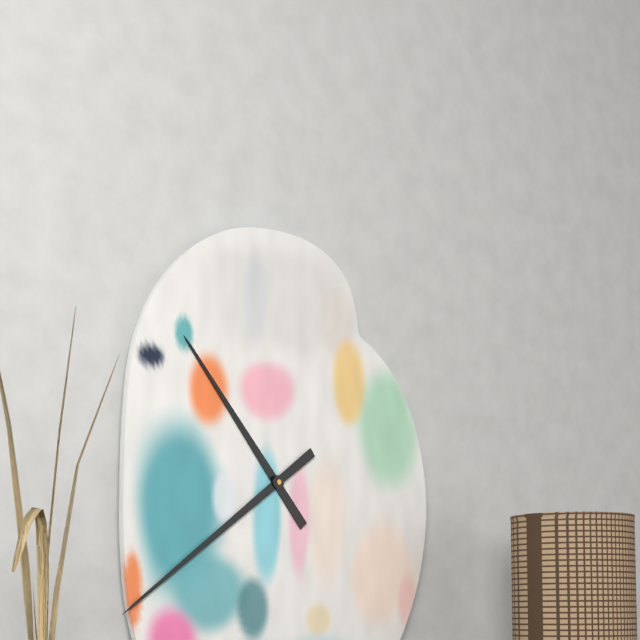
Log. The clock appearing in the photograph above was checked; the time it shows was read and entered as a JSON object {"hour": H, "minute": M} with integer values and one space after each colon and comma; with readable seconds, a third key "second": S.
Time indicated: {"hour": 10, "minute": 39}
